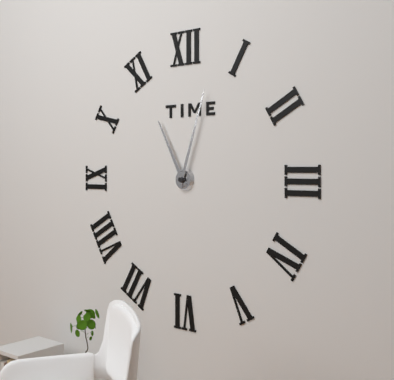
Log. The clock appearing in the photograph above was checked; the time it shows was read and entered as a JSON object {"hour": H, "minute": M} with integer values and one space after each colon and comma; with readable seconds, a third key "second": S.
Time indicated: {"hour": 11, "minute": 3}
